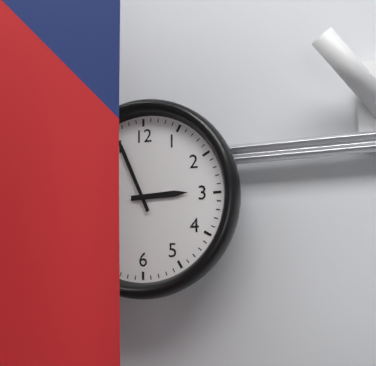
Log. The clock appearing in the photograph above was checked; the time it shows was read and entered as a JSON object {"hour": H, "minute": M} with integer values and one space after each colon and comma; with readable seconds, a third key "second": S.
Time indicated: {"hour": 2, "minute": 56}
